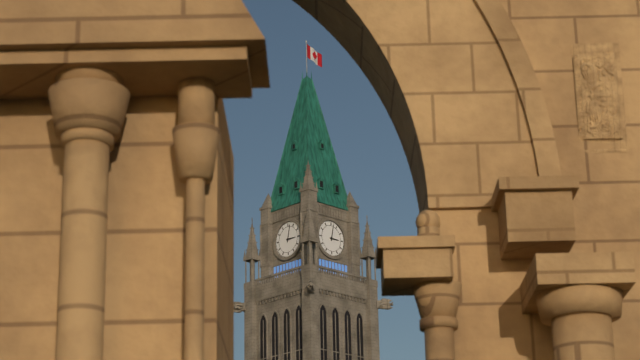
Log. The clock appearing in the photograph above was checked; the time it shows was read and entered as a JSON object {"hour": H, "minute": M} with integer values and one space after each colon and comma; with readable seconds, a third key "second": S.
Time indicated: {"hour": 3, "minute": 2}
